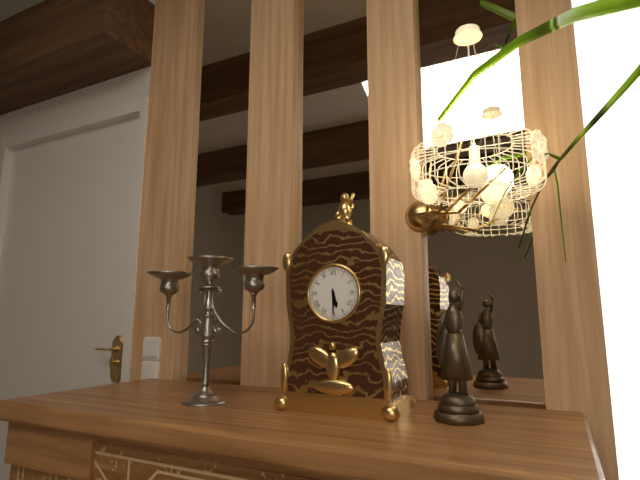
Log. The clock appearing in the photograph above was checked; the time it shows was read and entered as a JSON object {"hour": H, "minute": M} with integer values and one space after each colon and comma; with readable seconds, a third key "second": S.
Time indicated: {"hour": 5, "minute": 30}
